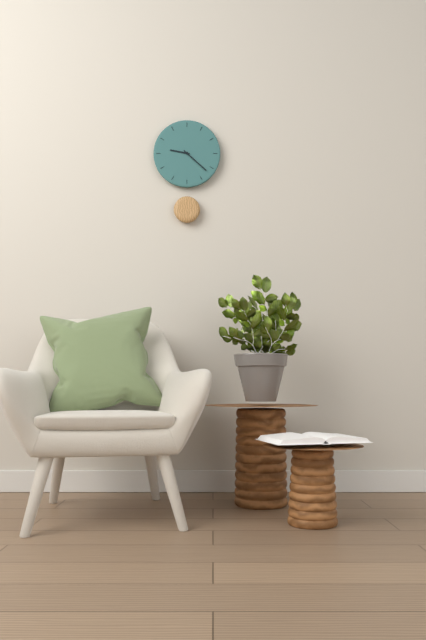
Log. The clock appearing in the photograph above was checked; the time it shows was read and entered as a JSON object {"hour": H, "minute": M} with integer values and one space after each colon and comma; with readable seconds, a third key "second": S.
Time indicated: {"hour": 9, "minute": 22}
